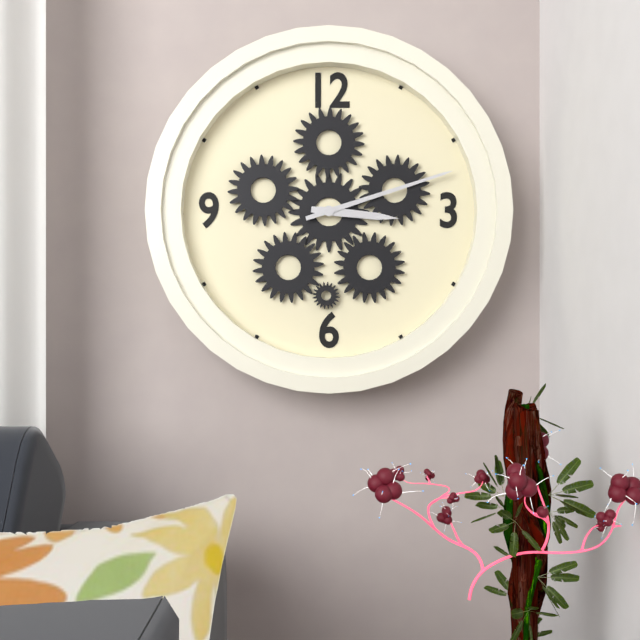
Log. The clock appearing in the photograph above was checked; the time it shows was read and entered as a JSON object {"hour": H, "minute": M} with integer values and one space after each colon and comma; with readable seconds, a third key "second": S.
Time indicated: {"hour": 3, "minute": 12}
